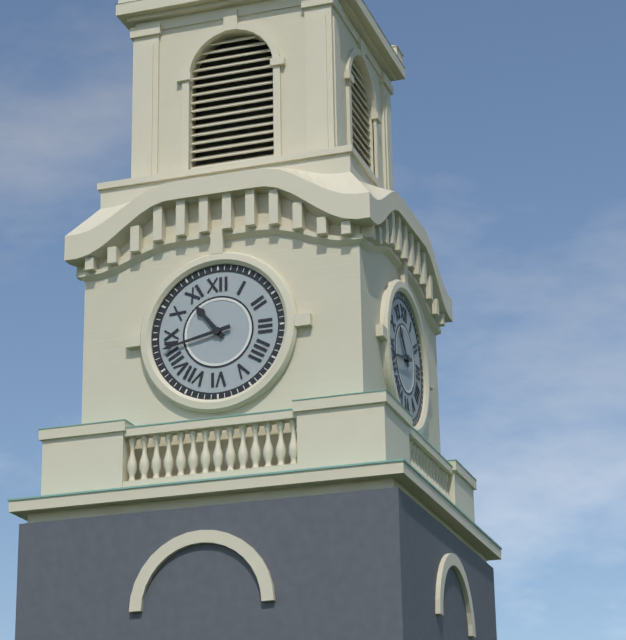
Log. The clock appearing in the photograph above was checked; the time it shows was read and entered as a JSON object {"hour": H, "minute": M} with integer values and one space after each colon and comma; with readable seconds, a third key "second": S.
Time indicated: {"hour": 10, "minute": 43}
